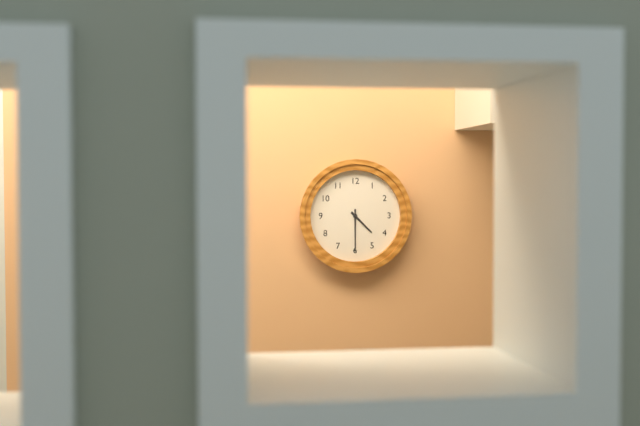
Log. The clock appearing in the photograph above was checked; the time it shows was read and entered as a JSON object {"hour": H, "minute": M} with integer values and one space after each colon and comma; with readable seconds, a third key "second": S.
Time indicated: {"hour": 4, "minute": 30}
